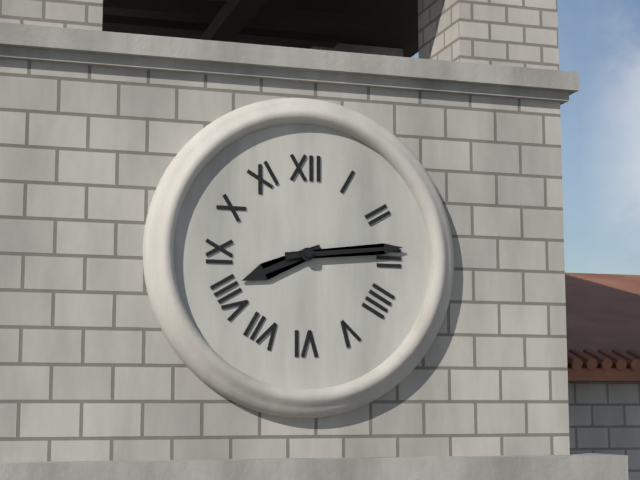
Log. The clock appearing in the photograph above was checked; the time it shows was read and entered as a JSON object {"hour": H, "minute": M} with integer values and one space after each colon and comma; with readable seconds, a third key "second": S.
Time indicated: {"hour": 8, "minute": 14}
